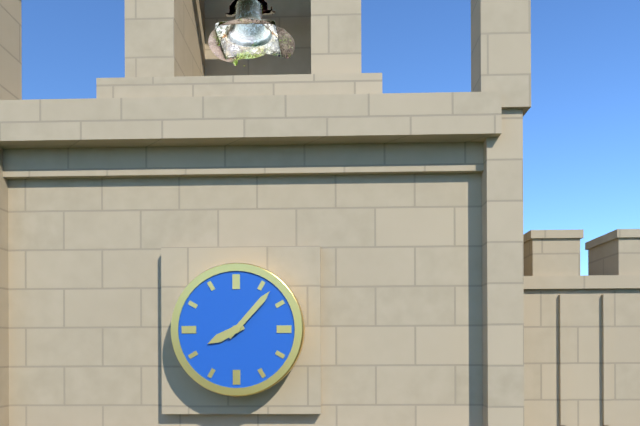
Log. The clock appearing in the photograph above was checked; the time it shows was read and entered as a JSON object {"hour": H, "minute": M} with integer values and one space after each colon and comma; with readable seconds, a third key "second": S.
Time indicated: {"hour": 8, "minute": 7}
